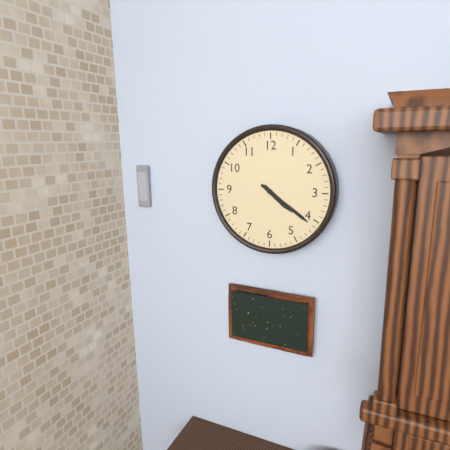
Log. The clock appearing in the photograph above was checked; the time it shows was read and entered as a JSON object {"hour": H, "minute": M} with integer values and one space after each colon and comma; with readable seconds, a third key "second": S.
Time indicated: {"hour": 4, "minute": 21}
